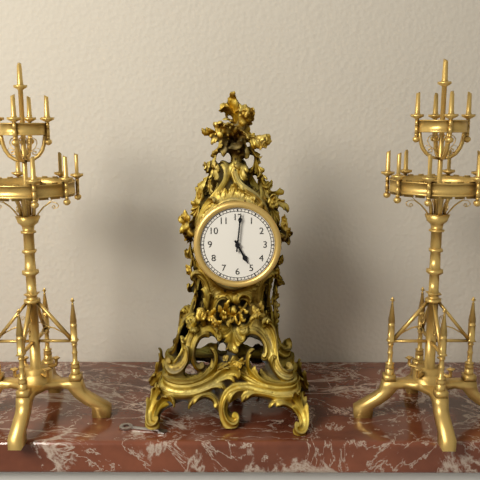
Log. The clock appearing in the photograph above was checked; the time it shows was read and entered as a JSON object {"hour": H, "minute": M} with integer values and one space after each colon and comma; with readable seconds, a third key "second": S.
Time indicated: {"hour": 5, "minute": 1}
